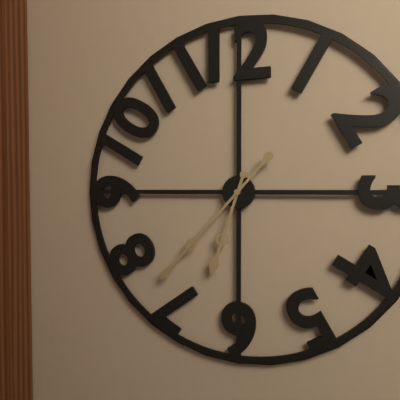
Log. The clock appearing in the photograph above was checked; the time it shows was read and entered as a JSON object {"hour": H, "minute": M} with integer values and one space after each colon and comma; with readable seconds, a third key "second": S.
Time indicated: {"hour": 6, "minute": 37}
